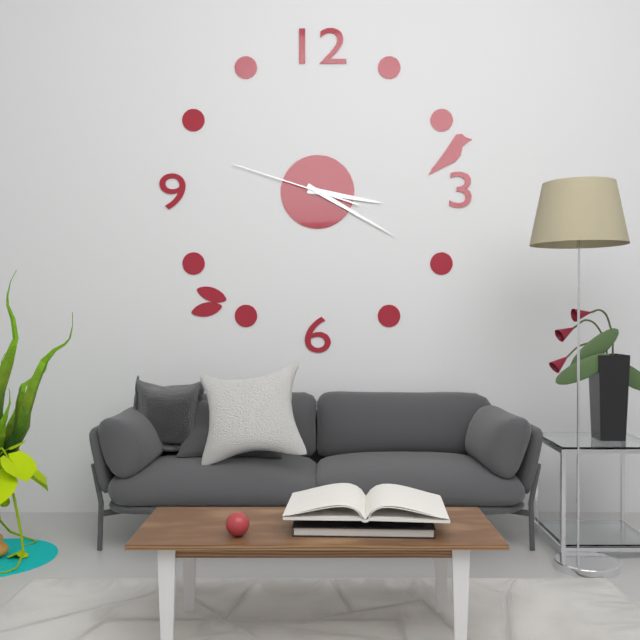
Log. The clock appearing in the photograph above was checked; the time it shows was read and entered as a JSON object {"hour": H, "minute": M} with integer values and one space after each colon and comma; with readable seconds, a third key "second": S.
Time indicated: {"hour": 3, "minute": 20, "second": 48}
